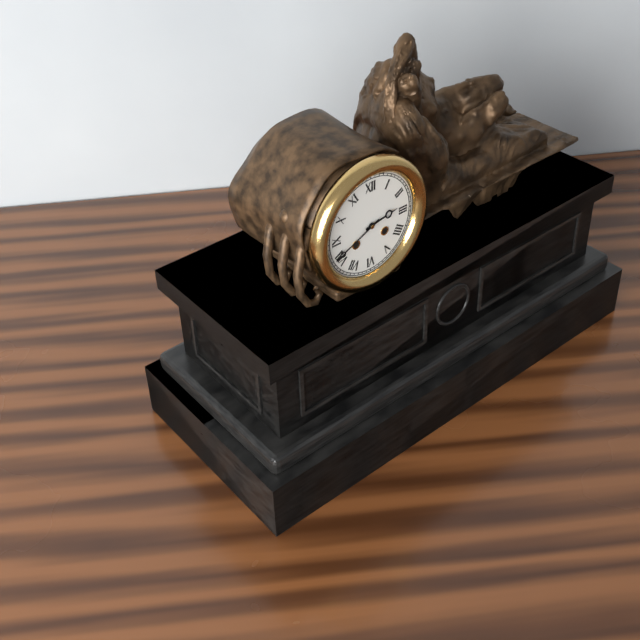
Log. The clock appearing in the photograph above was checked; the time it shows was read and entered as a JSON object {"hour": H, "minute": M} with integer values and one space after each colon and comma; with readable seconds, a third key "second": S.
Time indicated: {"hour": 2, "minute": 41}
